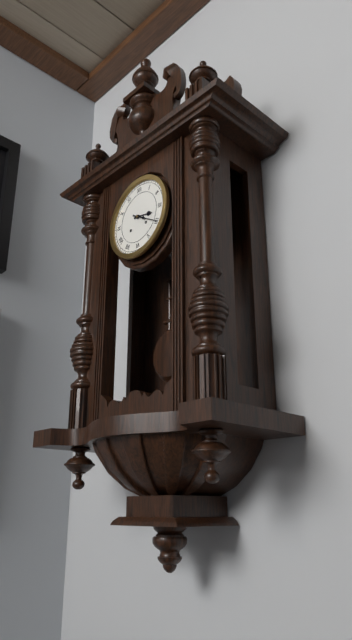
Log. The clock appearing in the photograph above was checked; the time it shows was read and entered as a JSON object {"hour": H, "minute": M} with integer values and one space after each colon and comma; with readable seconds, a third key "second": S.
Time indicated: {"hour": 3, "minute": 20}
